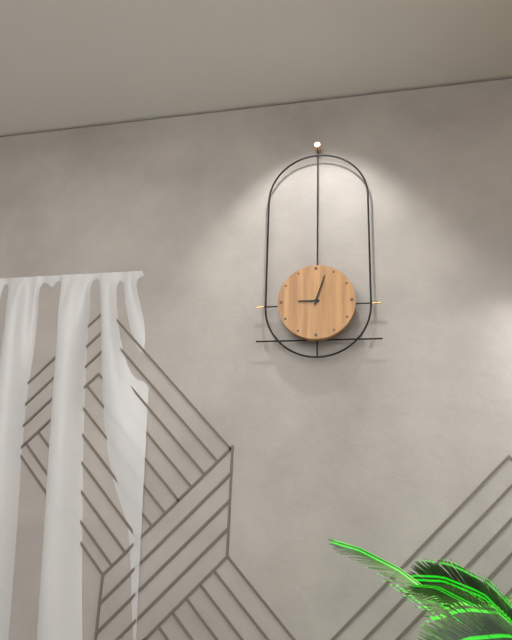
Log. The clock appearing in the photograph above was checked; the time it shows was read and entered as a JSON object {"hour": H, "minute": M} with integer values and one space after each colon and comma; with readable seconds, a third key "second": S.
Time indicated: {"hour": 9, "minute": 3}
